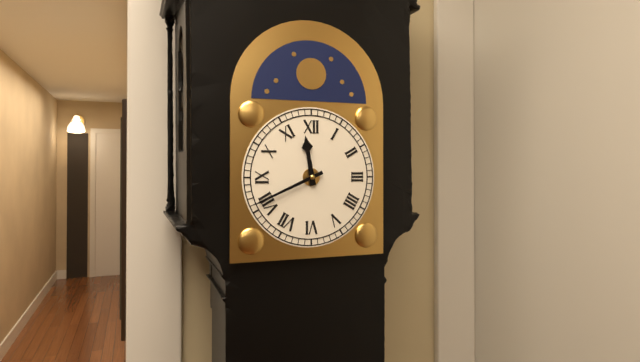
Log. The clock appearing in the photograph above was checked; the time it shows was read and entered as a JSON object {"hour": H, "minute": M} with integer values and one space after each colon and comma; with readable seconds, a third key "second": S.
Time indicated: {"hour": 11, "minute": 41}
